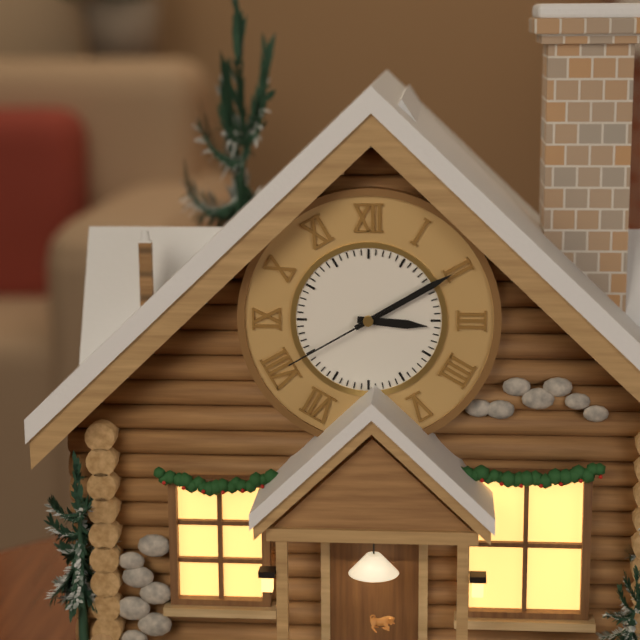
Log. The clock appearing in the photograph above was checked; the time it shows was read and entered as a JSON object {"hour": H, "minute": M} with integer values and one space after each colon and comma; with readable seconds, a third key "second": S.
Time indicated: {"hour": 3, "minute": 10, "second": 40}
